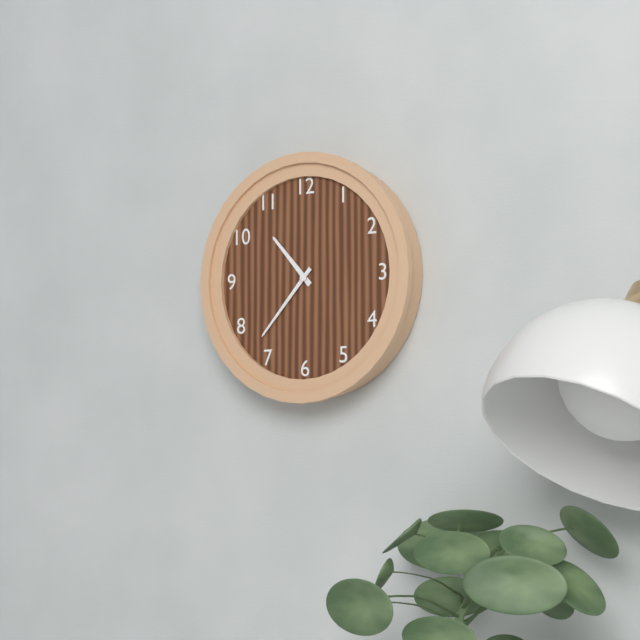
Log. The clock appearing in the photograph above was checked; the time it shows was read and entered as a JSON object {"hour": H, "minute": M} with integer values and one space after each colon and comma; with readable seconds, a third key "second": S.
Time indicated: {"hour": 10, "minute": 37}
